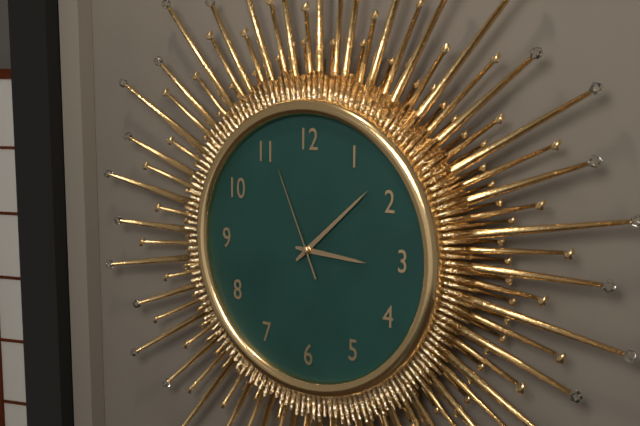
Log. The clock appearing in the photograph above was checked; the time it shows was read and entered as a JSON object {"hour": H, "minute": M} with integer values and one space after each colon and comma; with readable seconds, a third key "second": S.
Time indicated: {"hour": 3, "minute": 8, "second": 56}
